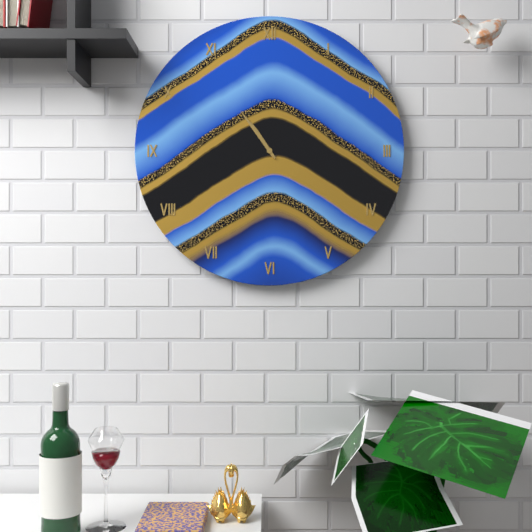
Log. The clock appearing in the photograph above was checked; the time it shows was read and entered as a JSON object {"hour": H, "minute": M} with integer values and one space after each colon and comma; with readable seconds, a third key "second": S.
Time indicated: {"hour": 10, "minute": 54}
